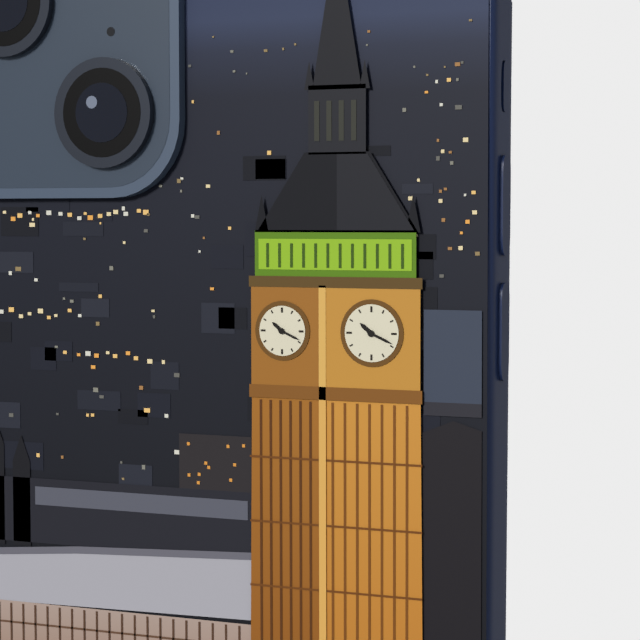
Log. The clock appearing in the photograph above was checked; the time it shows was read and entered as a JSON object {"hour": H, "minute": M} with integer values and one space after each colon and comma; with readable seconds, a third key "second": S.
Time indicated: {"hour": 10, "minute": 19}
